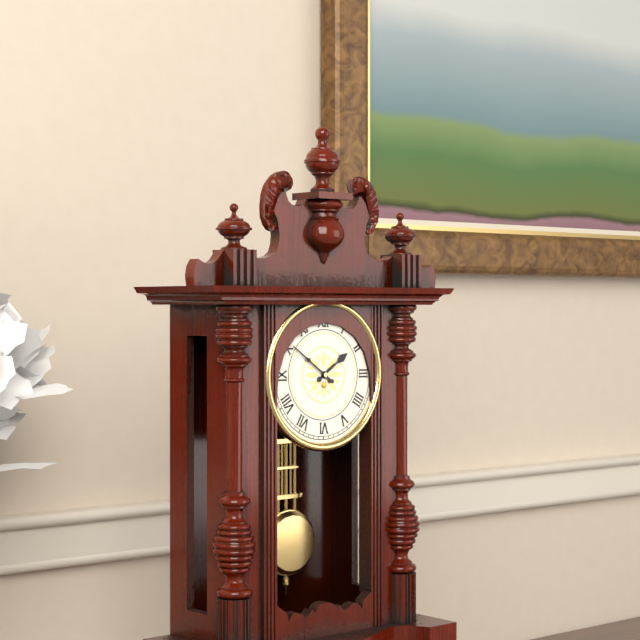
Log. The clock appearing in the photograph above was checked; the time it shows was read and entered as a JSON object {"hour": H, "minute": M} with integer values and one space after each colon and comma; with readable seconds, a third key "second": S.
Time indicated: {"hour": 1, "minute": 51}
